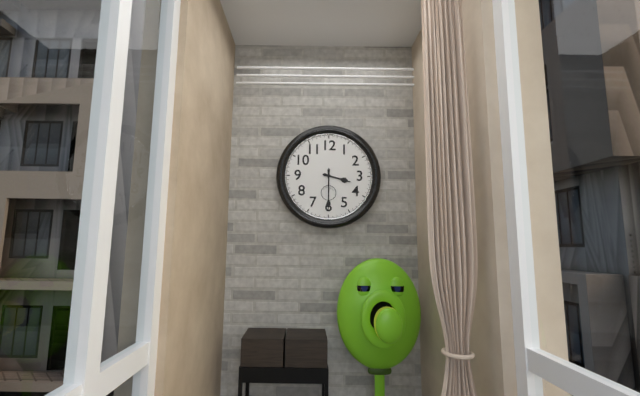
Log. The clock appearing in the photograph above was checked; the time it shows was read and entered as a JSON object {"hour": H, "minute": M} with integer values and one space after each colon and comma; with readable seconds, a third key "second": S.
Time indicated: {"hour": 3, "minute": 30}
